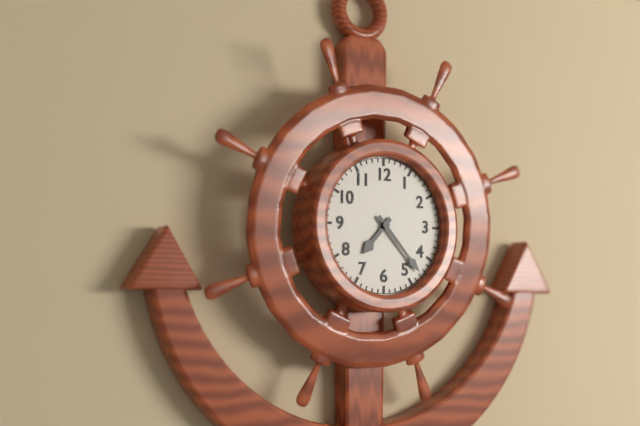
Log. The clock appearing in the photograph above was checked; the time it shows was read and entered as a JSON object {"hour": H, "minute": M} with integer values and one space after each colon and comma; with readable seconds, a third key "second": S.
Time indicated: {"hour": 7, "minute": 23}
